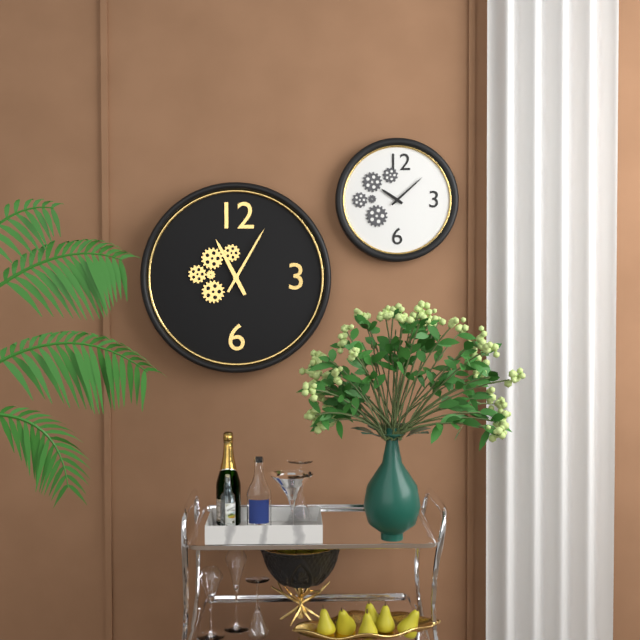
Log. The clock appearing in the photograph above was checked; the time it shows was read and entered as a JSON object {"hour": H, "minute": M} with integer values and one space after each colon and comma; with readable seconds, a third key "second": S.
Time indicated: {"hour": 11, "minute": 5}
